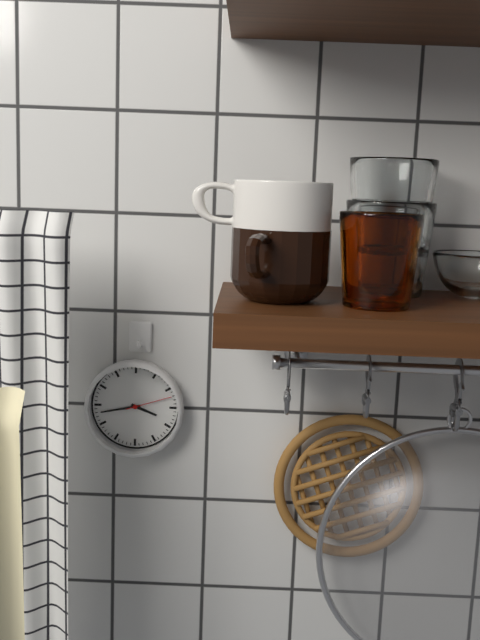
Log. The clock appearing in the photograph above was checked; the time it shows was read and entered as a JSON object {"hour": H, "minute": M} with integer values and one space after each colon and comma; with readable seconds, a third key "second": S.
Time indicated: {"hour": 3, "minute": 43}
